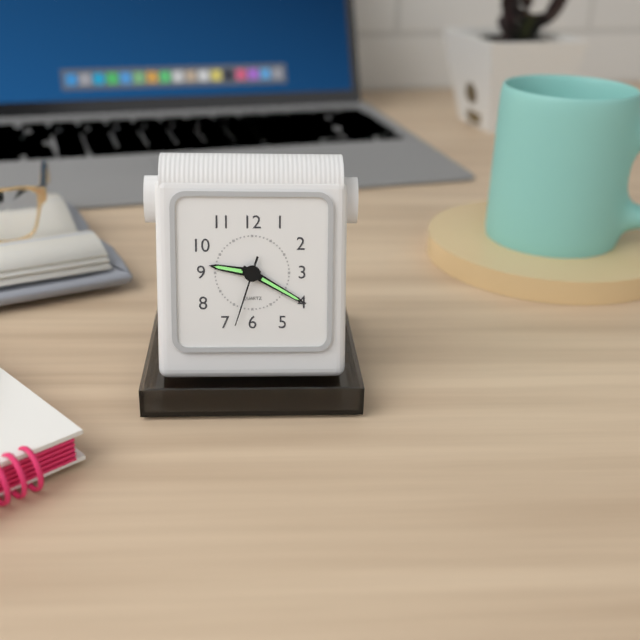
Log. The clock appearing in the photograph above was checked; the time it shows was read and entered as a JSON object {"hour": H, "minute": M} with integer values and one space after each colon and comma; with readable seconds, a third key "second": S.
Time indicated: {"hour": 9, "minute": 20, "second": 33}
